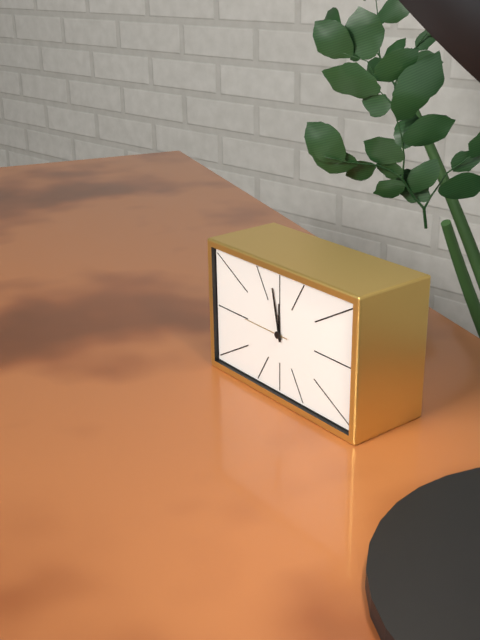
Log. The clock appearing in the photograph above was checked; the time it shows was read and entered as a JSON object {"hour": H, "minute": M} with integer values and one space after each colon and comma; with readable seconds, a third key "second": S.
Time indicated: {"hour": 11, "minute": 58}
